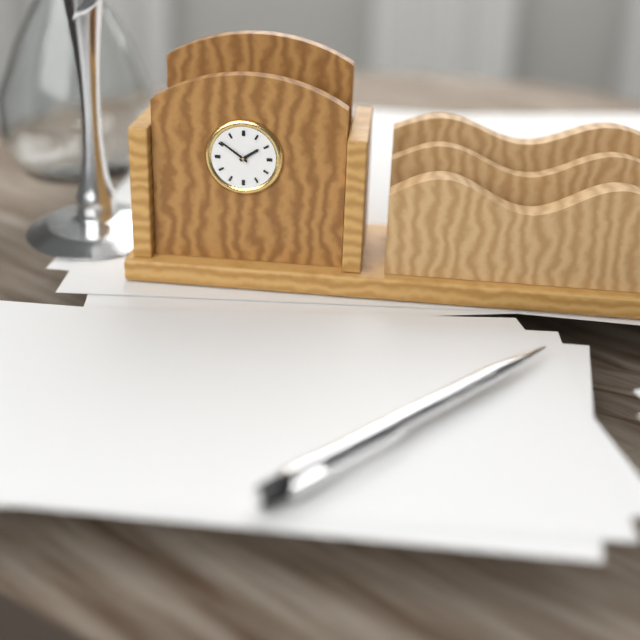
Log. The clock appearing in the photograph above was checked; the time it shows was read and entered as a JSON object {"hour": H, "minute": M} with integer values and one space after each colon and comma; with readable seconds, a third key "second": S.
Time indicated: {"hour": 1, "minute": 51}
